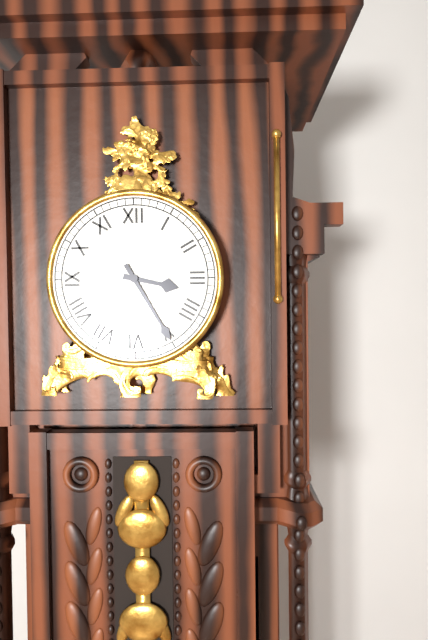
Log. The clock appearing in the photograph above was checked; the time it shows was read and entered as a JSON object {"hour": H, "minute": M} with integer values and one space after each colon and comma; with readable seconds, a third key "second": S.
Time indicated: {"hour": 3, "minute": 25}
